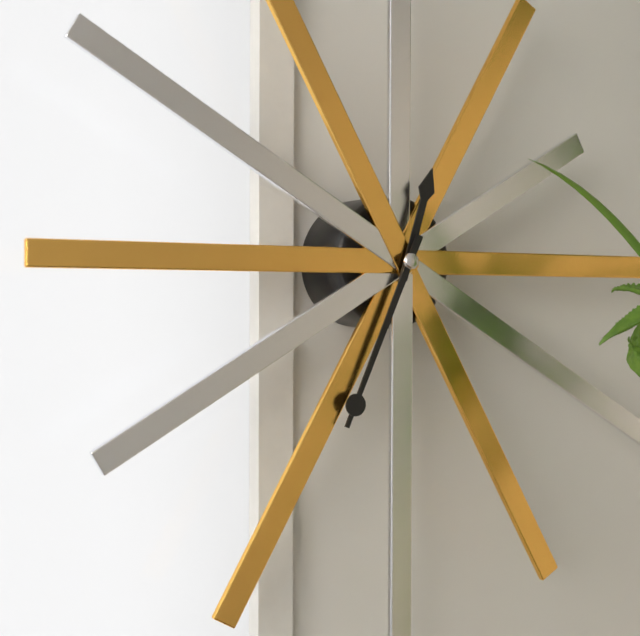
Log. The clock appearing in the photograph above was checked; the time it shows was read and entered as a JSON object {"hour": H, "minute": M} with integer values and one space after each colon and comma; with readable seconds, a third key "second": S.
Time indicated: {"hour": 12, "minute": 34}
